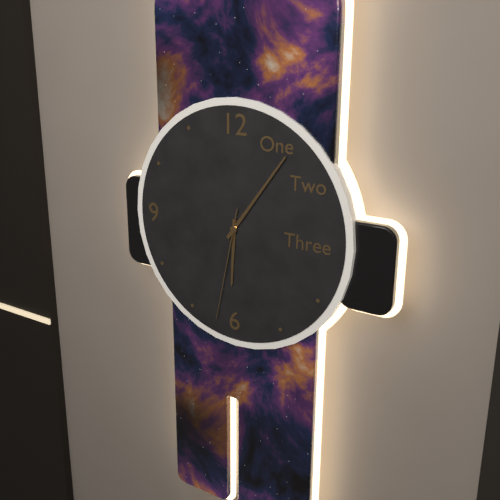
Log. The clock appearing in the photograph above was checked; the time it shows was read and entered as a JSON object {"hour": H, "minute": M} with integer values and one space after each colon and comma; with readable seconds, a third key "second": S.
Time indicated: {"hour": 6, "minute": 6, "second": 32}
